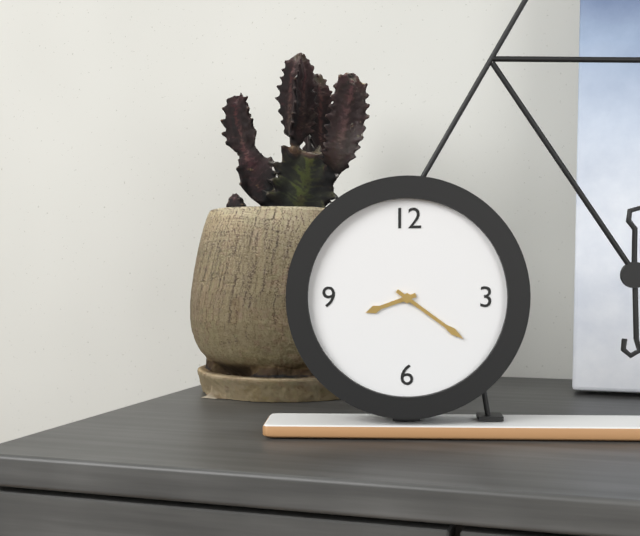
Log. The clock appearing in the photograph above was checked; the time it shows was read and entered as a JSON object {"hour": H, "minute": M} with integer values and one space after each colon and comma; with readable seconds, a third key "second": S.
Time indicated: {"hour": 8, "minute": 21}
